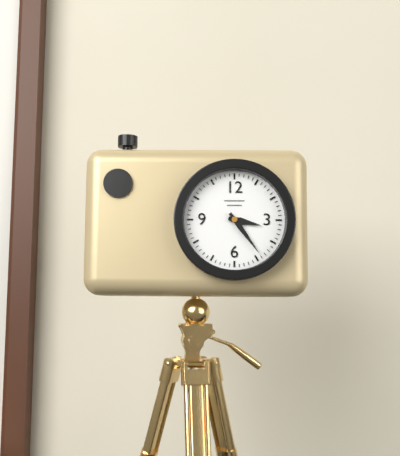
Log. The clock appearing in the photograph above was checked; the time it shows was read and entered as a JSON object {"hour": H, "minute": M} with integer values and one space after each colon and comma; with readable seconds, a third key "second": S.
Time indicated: {"hour": 3, "minute": 24}
